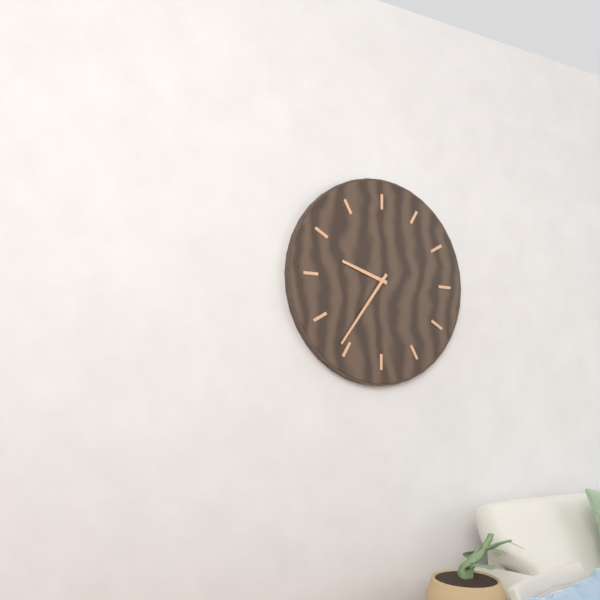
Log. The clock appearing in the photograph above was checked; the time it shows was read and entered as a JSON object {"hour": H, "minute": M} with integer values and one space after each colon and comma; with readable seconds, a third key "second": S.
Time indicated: {"hour": 9, "minute": 36}
